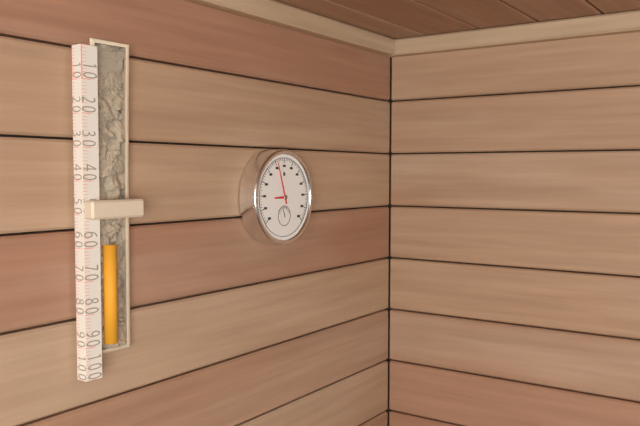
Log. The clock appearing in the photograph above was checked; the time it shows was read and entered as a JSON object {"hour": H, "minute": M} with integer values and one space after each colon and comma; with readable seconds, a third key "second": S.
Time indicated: {"hour": 8, "minute": 57}
